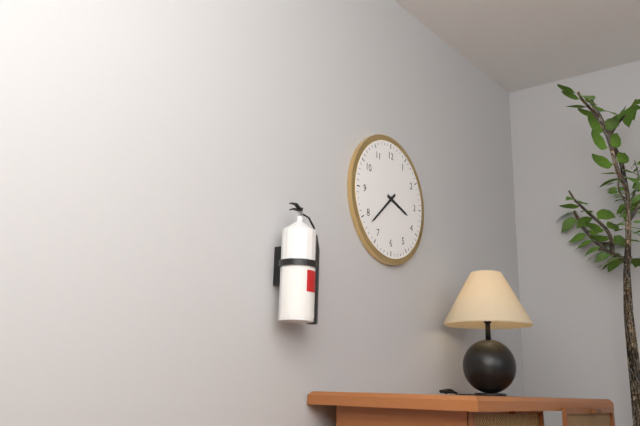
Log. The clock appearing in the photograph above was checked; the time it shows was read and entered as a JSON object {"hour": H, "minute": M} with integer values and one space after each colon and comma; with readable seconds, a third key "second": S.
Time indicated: {"hour": 3, "minute": 38}
